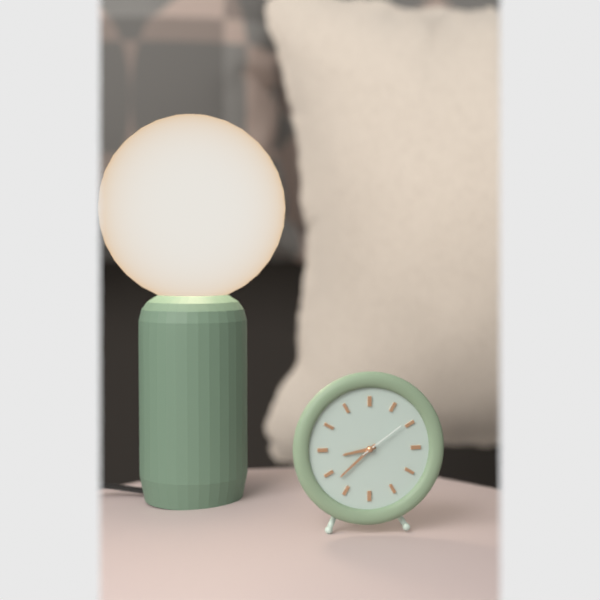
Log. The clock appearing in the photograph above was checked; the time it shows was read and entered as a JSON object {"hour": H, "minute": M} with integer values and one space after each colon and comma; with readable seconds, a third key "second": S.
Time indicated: {"hour": 8, "minute": 38}
